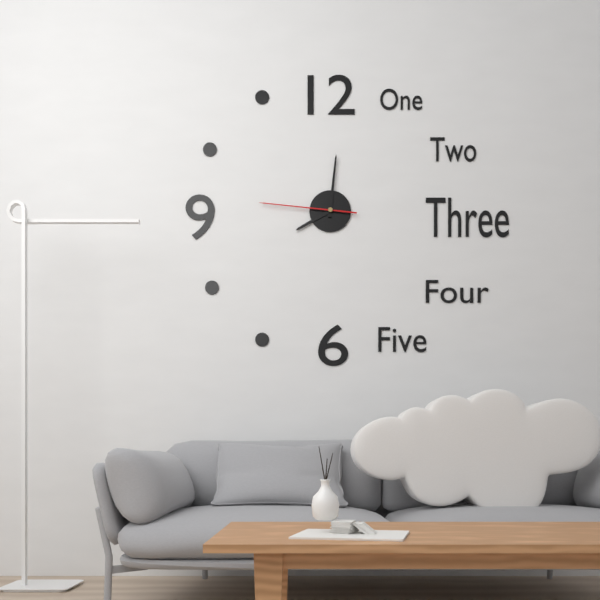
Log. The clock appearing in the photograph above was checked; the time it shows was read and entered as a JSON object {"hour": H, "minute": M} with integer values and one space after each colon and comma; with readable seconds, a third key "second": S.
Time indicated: {"hour": 8, "minute": 1, "second": 46}
